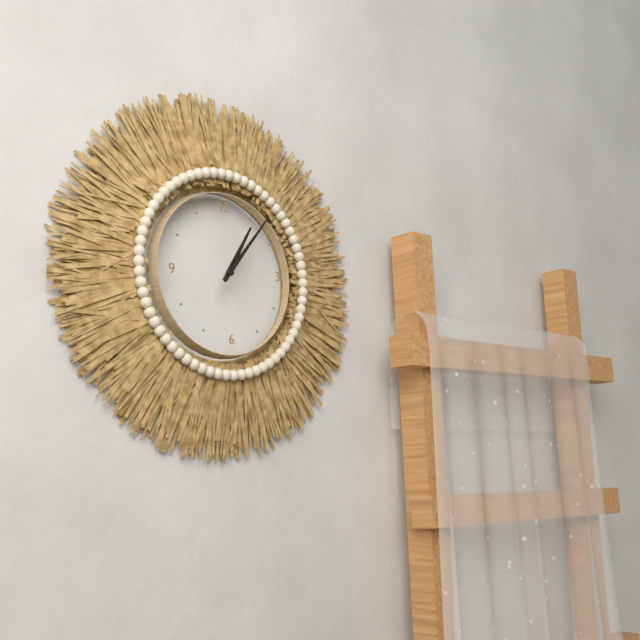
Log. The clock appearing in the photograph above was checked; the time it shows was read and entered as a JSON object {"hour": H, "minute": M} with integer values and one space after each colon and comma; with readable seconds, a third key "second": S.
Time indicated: {"hour": 1, "minute": 7}
